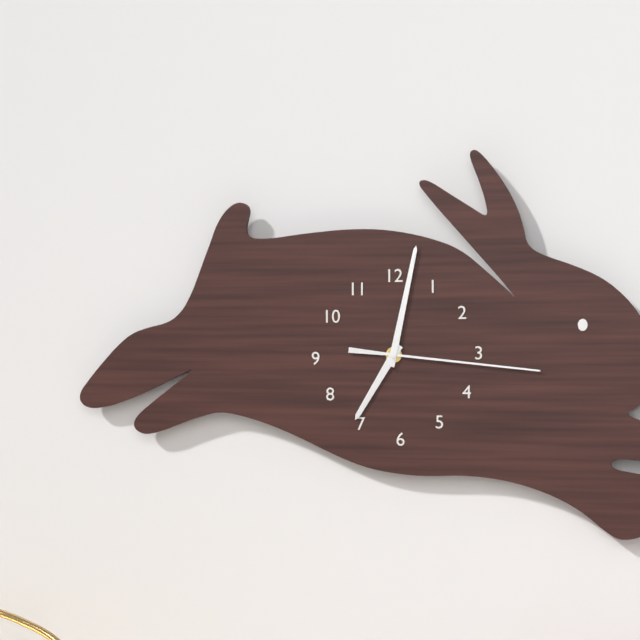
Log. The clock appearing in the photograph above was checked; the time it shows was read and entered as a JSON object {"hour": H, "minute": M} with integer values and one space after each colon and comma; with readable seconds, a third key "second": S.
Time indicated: {"hour": 7, "minute": 2, "second": 16}
